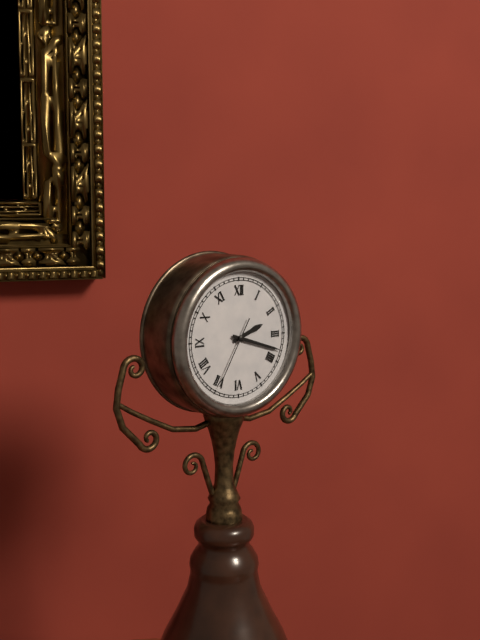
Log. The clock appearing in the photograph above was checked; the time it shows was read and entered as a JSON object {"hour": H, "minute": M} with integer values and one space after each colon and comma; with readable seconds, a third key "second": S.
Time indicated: {"hour": 2, "minute": 18, "second": 35}
